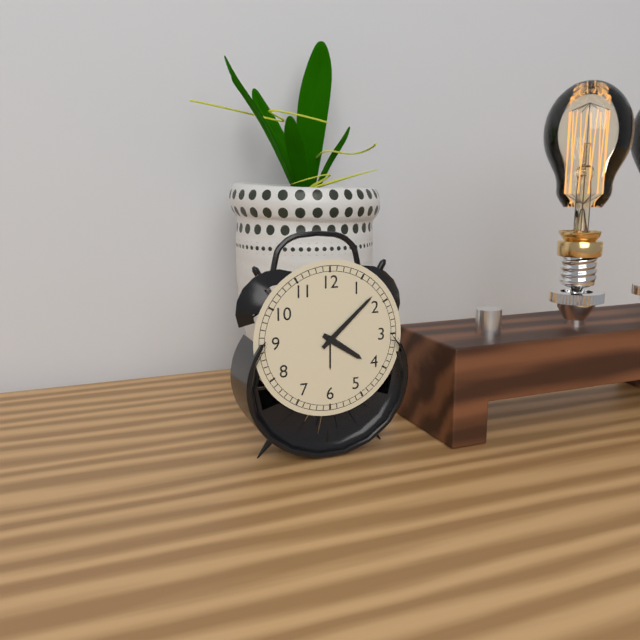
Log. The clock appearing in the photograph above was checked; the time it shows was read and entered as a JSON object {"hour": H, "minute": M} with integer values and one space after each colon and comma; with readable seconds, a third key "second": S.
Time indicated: {"hour": 4, "minute": 8}
